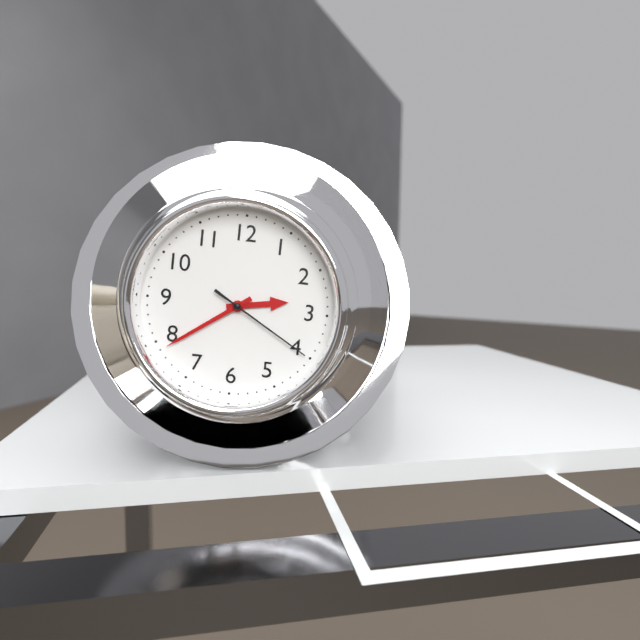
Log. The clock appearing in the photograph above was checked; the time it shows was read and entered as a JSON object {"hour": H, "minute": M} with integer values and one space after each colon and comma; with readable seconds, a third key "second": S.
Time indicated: {"hour": 2, "minute": 39, "second": 20}
